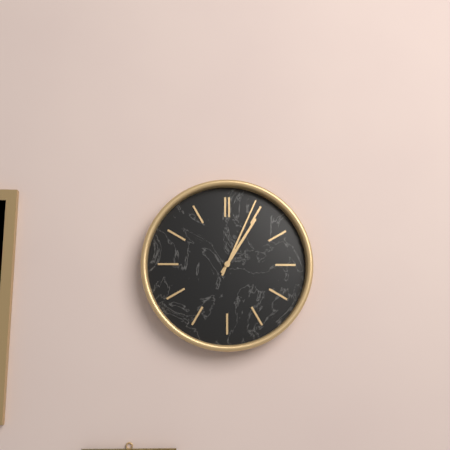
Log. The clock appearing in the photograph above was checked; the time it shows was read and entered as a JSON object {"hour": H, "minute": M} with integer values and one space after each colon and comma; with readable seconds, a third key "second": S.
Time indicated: {"hour": 1, "minute": 4}
